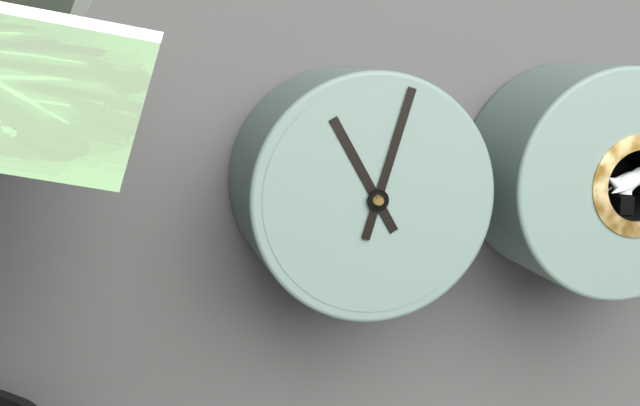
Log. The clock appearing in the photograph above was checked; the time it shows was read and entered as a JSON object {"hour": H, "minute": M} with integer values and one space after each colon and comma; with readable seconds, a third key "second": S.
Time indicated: {"hour": 11, "minute": 3}
